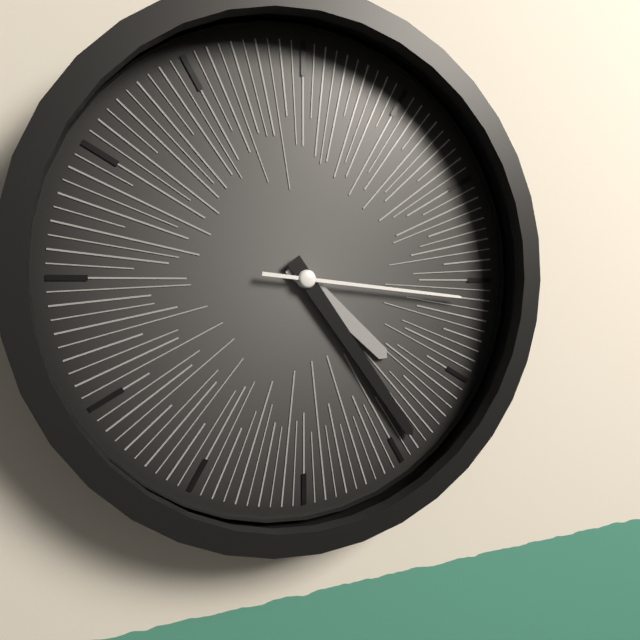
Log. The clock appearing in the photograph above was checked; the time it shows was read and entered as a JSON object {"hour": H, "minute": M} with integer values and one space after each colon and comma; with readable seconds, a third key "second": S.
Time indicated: {"hour": 4, "minute": 24, "second": 16}
